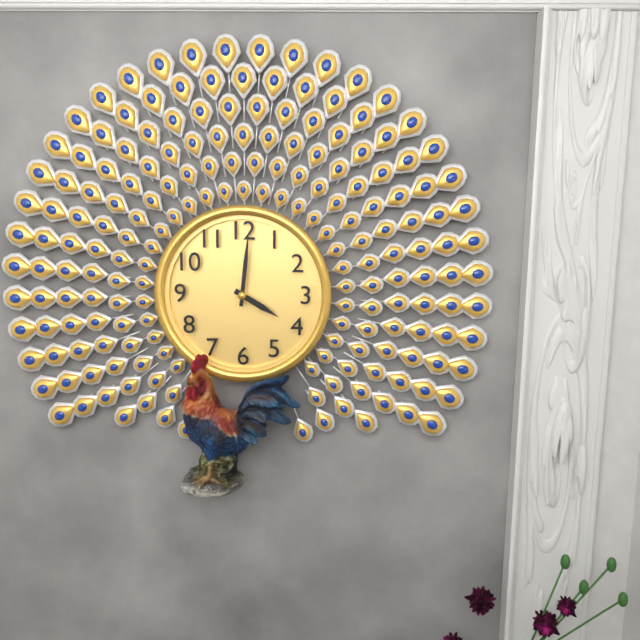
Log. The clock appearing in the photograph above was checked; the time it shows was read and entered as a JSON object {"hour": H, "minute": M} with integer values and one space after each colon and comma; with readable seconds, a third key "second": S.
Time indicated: {"hour": 4, "minute": 1}
